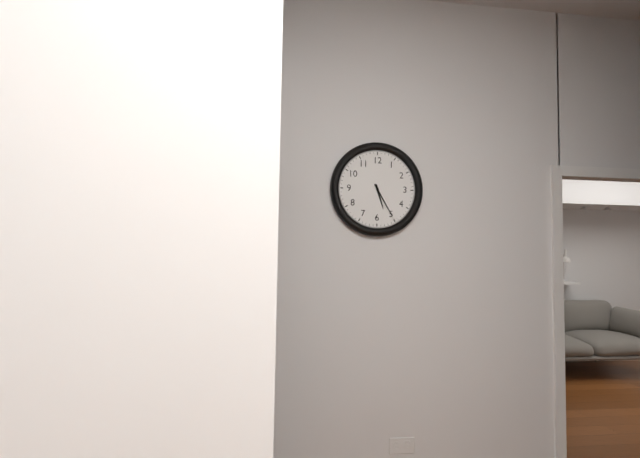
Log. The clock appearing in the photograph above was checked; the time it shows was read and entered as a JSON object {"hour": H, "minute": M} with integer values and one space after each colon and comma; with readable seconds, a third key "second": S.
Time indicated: {"hour": 5, "minute": 25}
